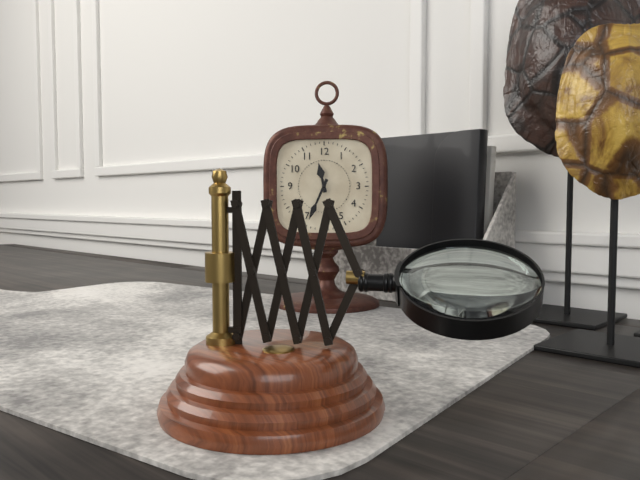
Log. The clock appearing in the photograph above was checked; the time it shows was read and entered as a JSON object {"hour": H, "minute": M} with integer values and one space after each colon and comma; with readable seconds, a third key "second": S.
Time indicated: {"hour": 11, "minute": 34}
